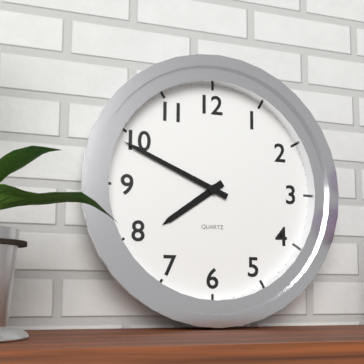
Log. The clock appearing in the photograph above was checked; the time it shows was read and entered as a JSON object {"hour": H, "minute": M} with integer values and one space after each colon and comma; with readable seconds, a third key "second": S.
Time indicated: {"hour": 7, "minute": 49}
